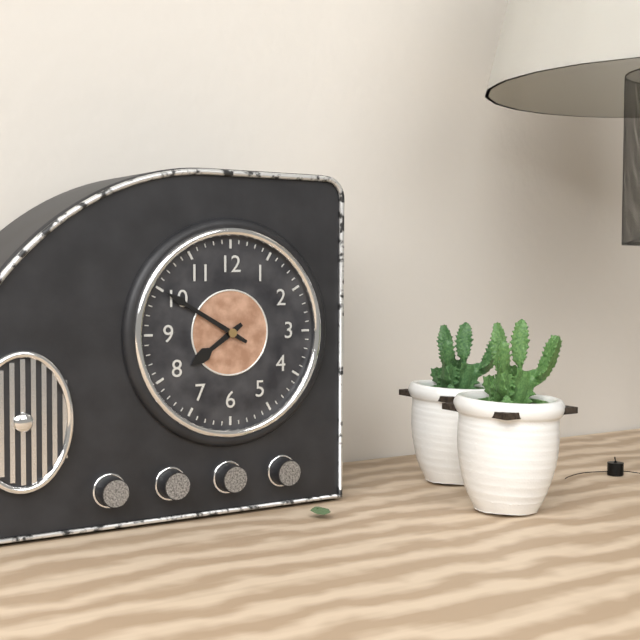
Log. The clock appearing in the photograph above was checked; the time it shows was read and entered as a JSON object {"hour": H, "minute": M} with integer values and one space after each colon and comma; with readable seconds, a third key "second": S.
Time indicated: {"hour": 7, "minute": 50}
